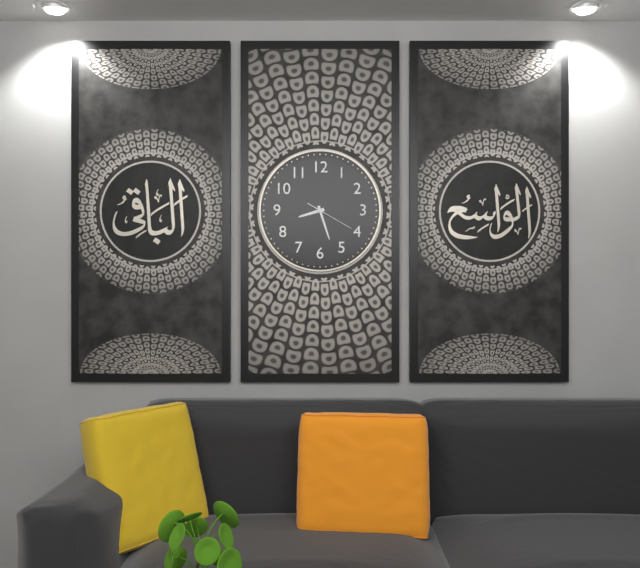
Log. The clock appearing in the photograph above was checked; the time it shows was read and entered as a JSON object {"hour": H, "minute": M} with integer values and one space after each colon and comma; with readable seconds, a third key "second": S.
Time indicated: {"hour": 8, "minute": 27}
